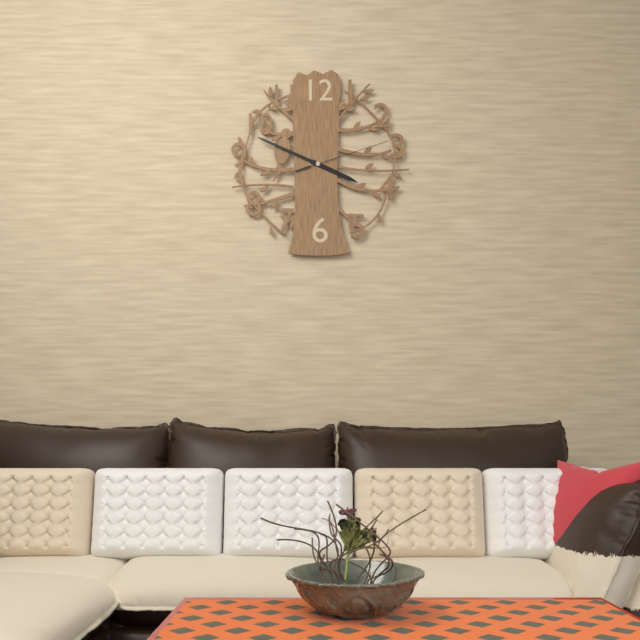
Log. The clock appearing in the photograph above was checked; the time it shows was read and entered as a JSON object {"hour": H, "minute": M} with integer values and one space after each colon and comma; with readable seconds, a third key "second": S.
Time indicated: {"hour": 3, "minute": 49, "second": 12}
